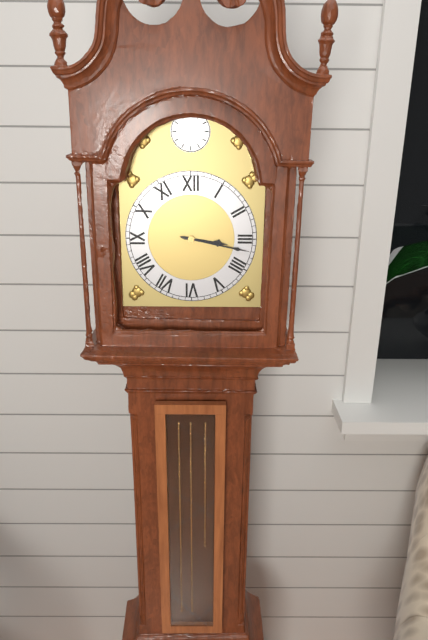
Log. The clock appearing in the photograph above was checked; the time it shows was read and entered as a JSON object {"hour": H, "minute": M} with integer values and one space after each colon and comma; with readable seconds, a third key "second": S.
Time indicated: {"hour": 3, "minute": 17}
